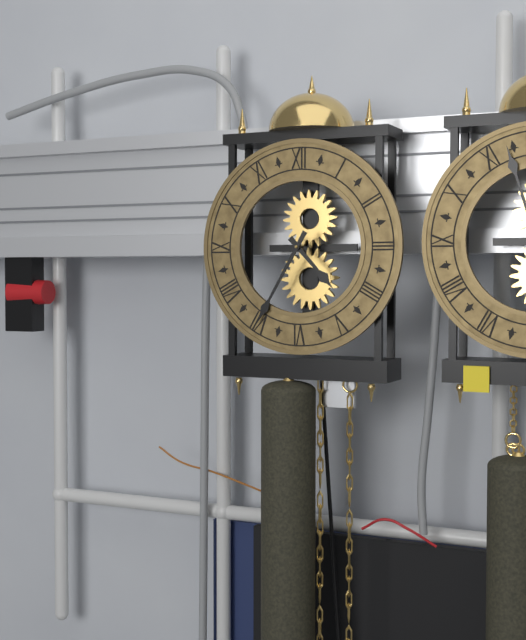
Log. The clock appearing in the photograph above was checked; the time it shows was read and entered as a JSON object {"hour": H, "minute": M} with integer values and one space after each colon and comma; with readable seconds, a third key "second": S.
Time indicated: {"hour": 4, "minute": 35}
